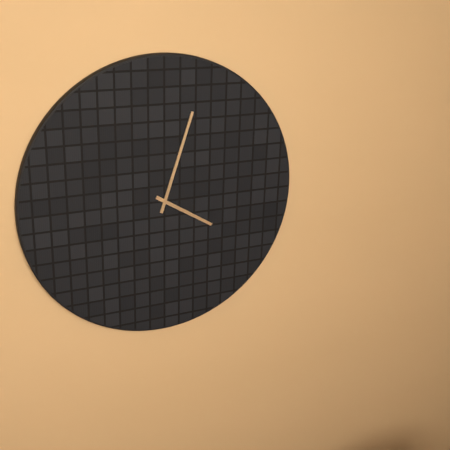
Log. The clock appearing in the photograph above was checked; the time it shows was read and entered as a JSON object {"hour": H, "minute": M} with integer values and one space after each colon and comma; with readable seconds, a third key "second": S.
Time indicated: {"hour": 4, "minute": 3}
